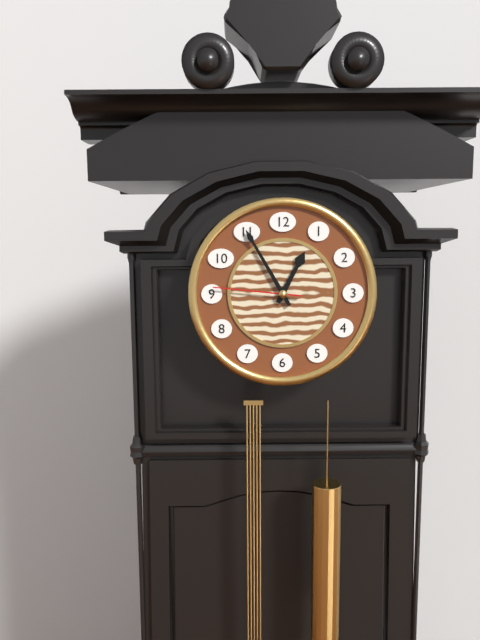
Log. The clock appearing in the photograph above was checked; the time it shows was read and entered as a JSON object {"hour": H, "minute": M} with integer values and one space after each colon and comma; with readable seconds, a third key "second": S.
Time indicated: {"hour": 12, "minute": 55, "second": 46}
